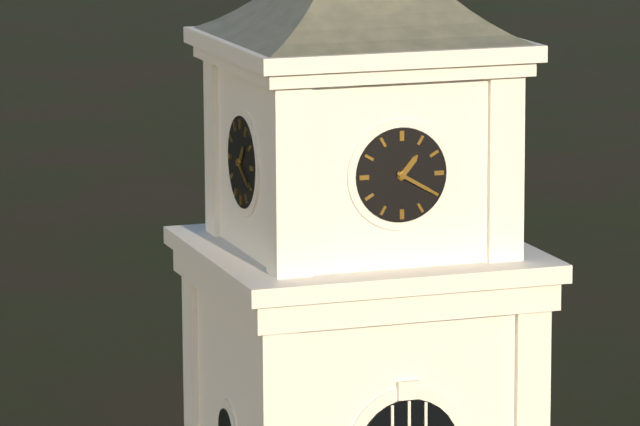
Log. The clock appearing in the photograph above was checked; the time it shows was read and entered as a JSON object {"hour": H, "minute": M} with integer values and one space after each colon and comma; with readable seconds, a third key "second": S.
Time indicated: {"hour": 1, "minute": 20}
